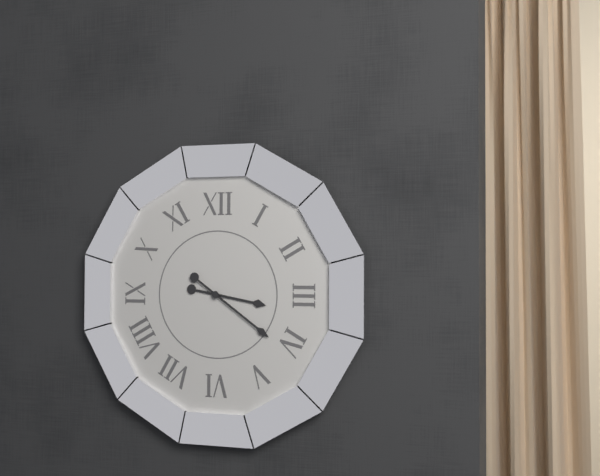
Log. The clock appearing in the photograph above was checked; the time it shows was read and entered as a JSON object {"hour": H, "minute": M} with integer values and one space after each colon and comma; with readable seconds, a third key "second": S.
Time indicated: {"hour": 3, "minute": 21}
